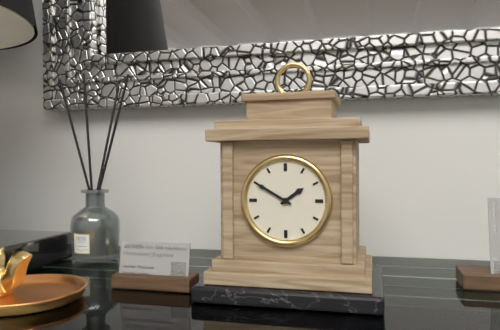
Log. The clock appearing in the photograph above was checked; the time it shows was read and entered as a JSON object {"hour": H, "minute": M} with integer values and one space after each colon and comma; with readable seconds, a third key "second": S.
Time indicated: {"hour": 1, "minute": 50}
